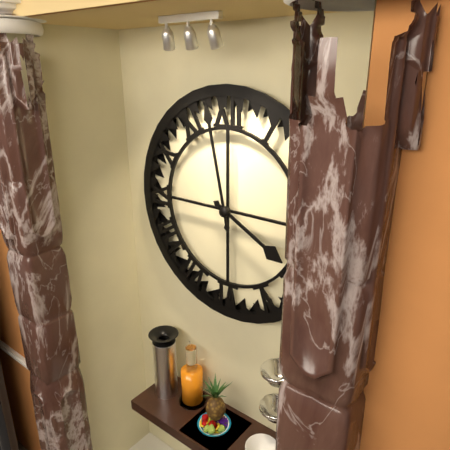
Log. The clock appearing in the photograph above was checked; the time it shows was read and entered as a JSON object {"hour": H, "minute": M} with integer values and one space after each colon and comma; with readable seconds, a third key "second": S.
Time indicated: {"hour": 3, "minute": 58}
